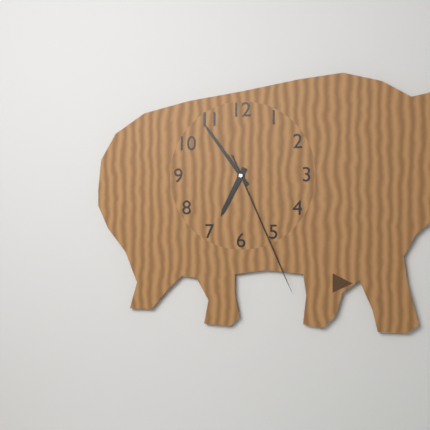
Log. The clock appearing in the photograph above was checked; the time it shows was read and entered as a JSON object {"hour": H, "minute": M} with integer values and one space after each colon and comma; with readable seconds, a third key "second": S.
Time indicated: {"hour": 6, "minute": 54, "second": 26}
